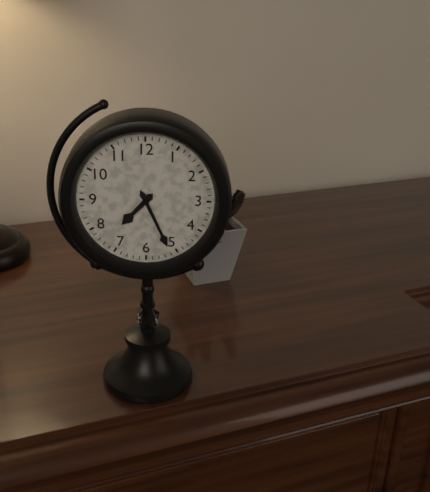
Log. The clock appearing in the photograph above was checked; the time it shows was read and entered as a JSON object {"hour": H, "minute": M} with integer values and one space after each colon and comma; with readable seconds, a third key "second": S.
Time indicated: {"hour": 7, "minute": 26}
